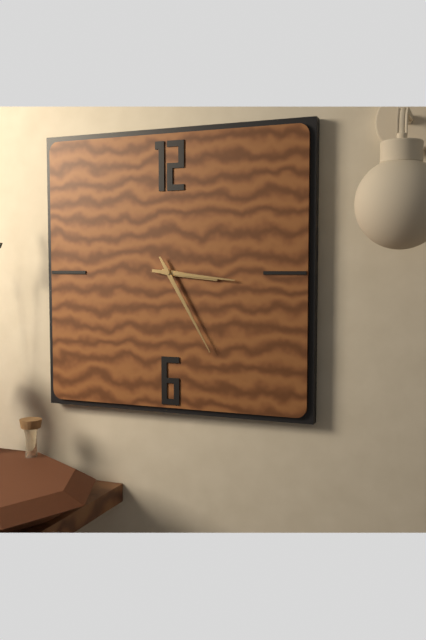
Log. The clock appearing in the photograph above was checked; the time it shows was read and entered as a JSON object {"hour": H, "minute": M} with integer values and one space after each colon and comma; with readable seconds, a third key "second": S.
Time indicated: {"hour": 3, "minute": 16, "second": 25}
